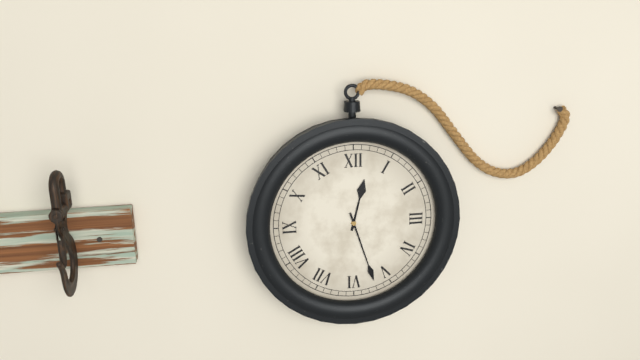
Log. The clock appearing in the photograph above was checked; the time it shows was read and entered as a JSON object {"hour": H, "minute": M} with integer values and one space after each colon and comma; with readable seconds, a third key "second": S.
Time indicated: {"hour": 12, "minute": 27}
